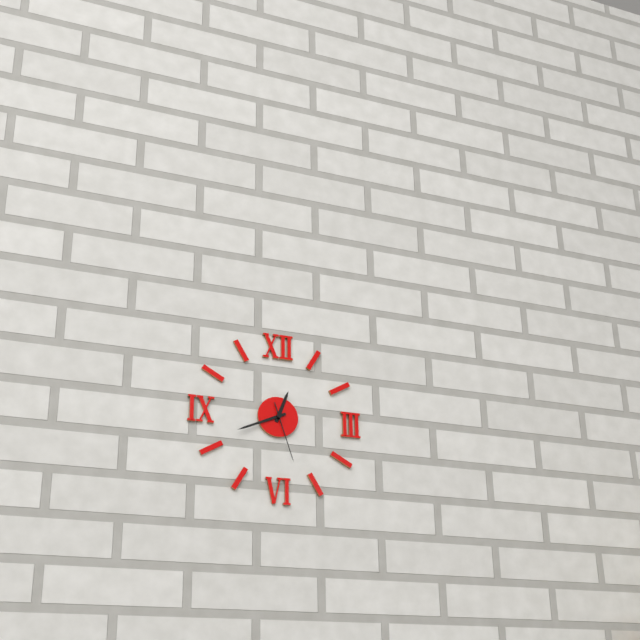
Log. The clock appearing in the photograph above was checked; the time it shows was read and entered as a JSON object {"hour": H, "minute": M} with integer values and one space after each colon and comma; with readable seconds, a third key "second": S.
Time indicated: {"hour": 12, "minute": 41, "second": 27}
